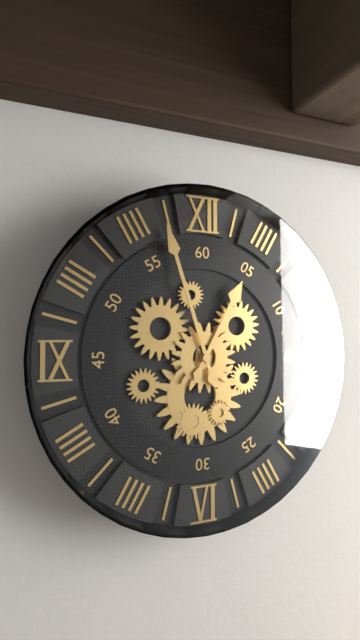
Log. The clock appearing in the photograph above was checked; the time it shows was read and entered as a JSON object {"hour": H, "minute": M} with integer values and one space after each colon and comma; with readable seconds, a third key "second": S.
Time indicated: {"hour": 12, "minute": 57}
